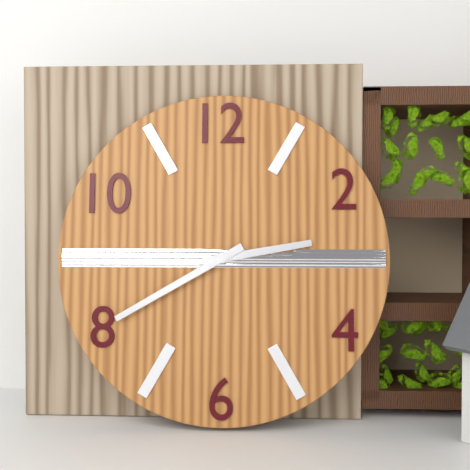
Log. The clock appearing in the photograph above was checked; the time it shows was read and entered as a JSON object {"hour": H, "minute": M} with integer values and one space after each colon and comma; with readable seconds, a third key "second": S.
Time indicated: {"hour": 2, "minute": 40}
